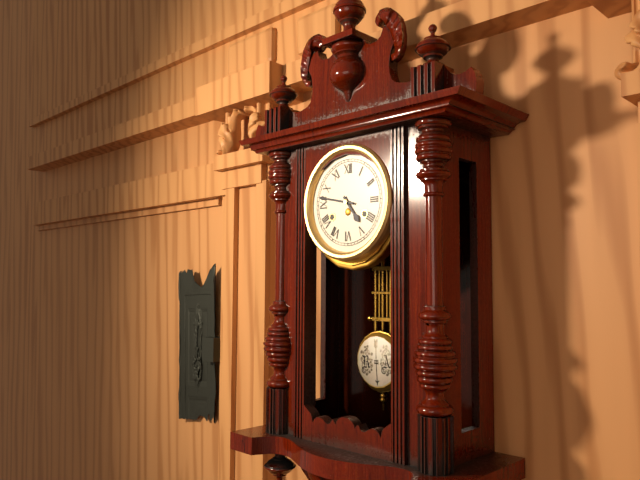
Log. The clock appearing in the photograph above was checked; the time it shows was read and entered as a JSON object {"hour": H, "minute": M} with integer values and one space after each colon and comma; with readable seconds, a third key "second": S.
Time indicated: {"hour": 4, "minute": 47}
